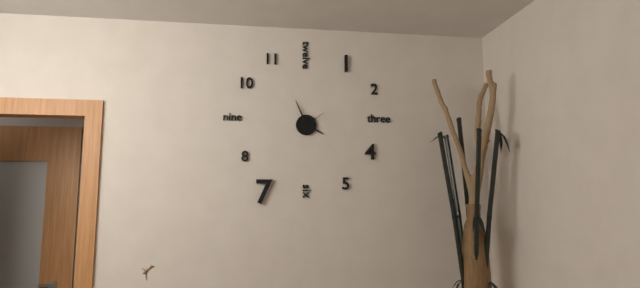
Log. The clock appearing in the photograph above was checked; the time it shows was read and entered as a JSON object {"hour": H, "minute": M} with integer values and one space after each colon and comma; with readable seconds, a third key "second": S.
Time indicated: {"hour": 3, "minute": 56}
